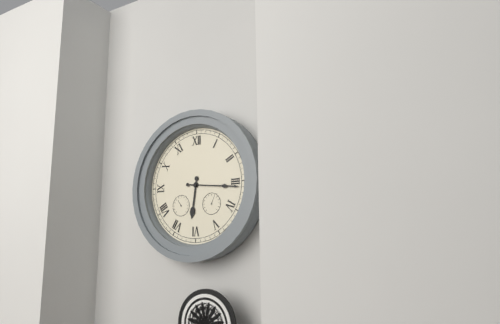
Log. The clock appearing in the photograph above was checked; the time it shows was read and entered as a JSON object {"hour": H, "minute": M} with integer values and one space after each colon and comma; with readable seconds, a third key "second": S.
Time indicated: {"hour": 6, "minute": 16}
